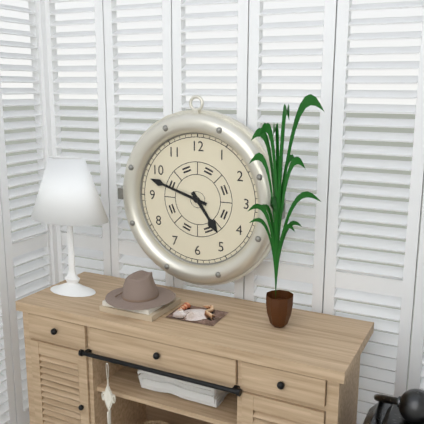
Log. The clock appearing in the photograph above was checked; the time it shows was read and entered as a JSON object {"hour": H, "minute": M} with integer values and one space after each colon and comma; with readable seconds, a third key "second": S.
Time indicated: {"hour": 4, "minute": 48}
